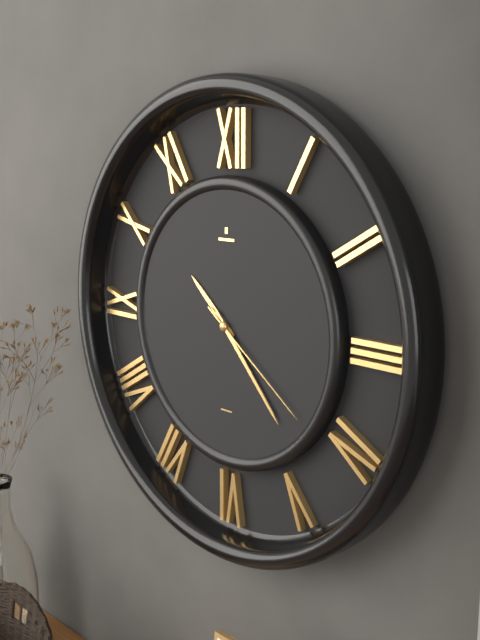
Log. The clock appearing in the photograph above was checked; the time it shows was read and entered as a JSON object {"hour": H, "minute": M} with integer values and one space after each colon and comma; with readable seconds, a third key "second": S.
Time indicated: {"hour": 10, "minute": 23, "second": 21}
